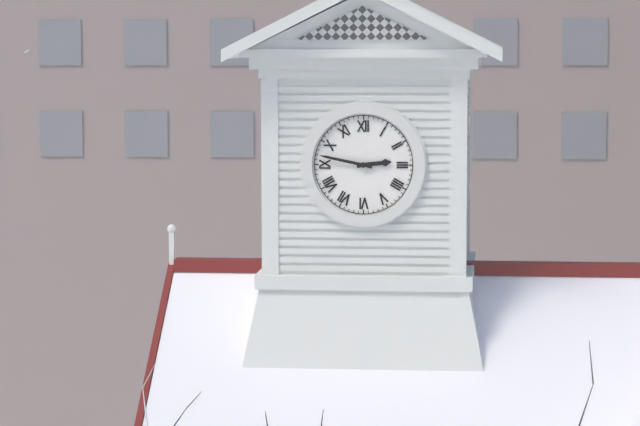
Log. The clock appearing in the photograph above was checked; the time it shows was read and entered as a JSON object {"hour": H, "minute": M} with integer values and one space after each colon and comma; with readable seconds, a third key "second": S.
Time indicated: {"hour": 2, "minute": 47}
